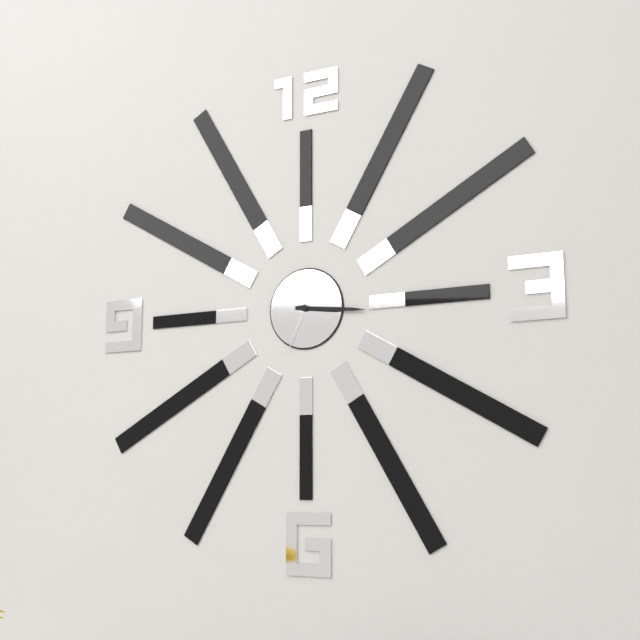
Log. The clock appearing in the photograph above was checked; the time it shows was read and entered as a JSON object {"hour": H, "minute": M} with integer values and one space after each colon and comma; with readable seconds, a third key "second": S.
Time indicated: {"hour": 3, "minute": 16, "second": 34}
